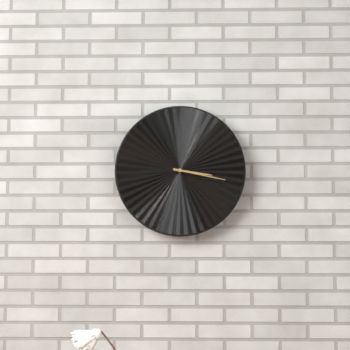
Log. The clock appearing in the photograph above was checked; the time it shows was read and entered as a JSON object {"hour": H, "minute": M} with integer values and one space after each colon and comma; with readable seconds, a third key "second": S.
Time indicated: {"hour": 3, "minute": 17}
